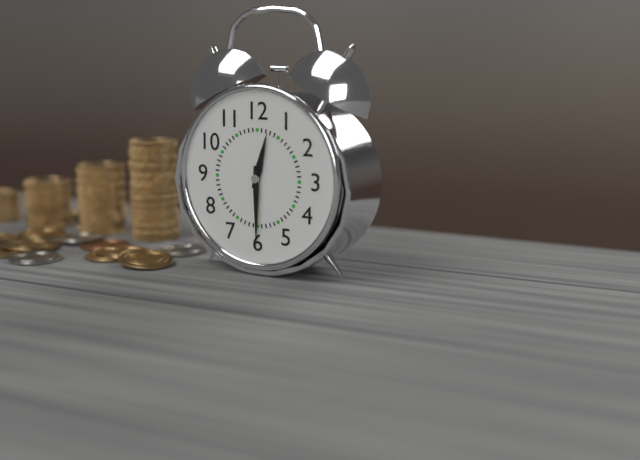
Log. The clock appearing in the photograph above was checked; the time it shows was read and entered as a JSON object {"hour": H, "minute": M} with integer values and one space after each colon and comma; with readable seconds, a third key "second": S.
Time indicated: {"hour": 12, "minute": 30}
